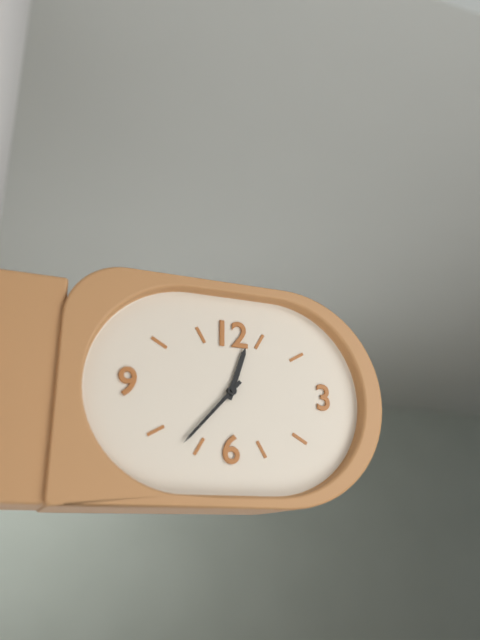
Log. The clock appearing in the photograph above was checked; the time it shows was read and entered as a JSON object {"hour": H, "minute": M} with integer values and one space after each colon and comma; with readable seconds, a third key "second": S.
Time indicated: {"hour": 12, "minute": 37}
